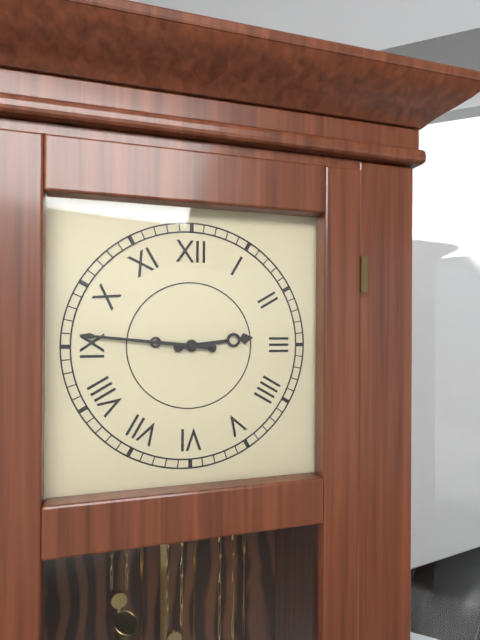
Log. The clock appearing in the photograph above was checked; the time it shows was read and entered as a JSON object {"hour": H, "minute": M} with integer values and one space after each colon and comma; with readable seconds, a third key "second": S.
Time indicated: {"hour": 2, "minute": 46}
